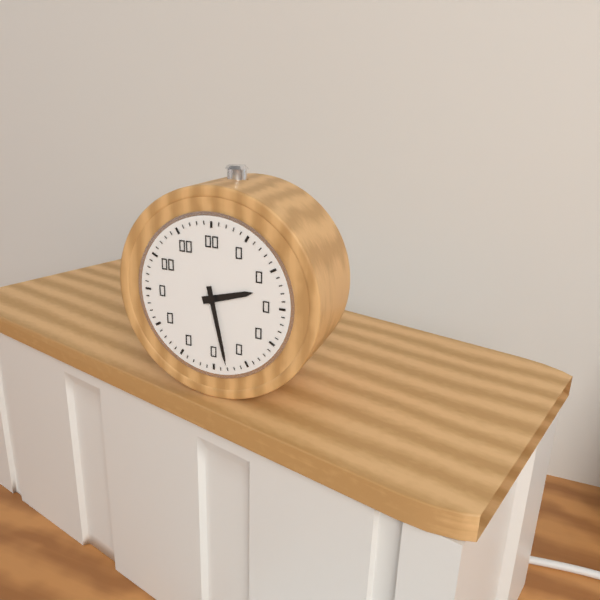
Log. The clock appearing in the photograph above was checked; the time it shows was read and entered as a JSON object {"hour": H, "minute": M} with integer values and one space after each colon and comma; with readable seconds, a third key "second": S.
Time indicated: {"hour": 2, "minute": 28}
